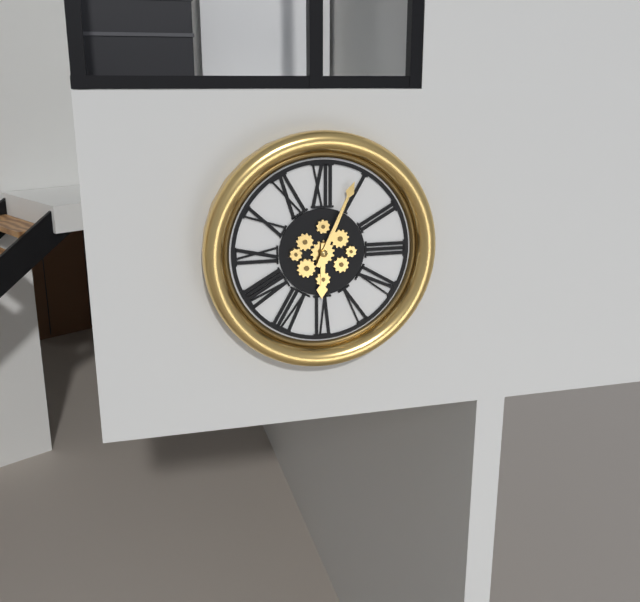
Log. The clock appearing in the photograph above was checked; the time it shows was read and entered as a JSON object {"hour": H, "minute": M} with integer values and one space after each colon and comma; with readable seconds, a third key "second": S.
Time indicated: {"hour": 6, "minute": 4}
